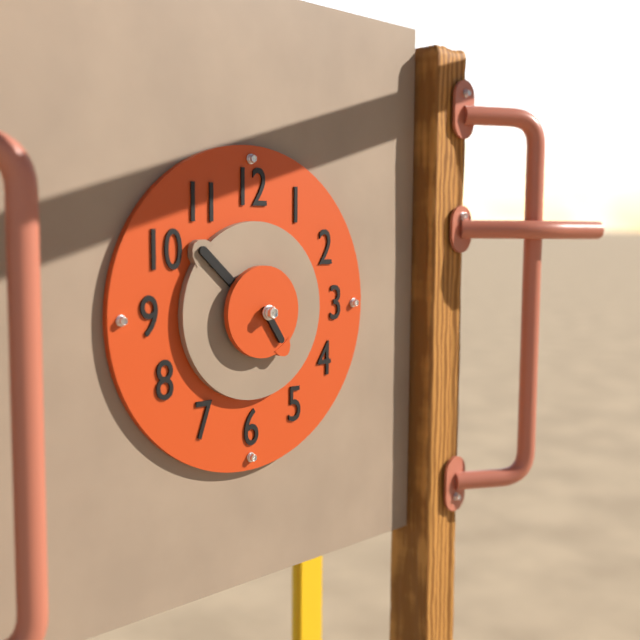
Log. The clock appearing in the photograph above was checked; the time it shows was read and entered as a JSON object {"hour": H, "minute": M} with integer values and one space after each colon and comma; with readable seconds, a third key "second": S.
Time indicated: {"hour": 4, "minute": 52}
